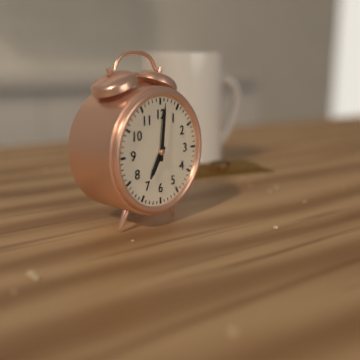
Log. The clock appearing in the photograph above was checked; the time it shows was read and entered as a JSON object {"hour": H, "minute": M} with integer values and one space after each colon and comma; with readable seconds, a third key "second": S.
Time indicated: {"hour": 7, "minute": 1}
